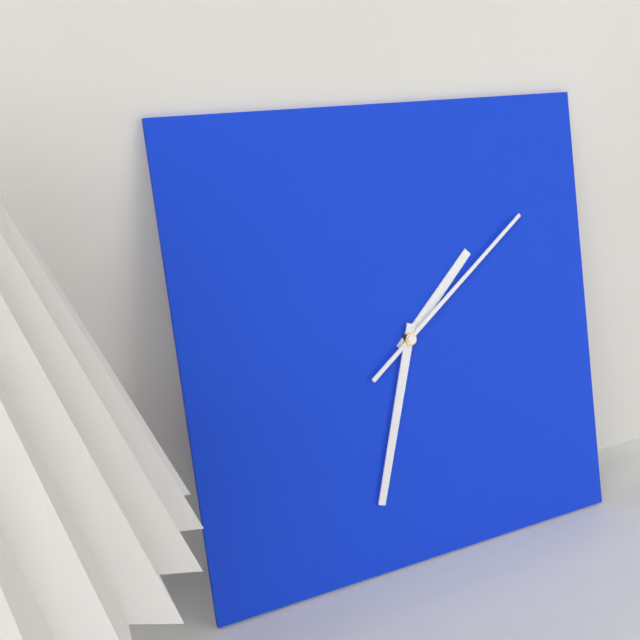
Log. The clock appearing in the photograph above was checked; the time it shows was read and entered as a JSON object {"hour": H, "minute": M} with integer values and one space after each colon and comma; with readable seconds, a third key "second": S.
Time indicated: {"hour": 1, "minute": 33, "second": 9}
